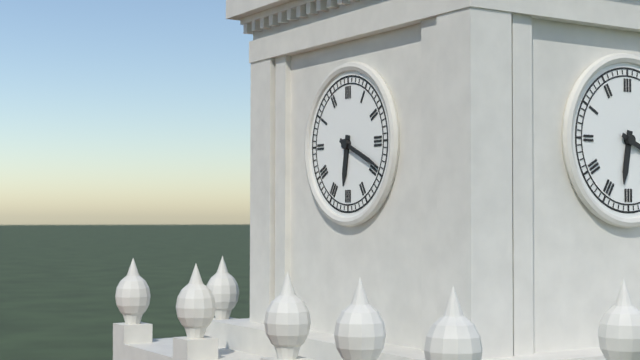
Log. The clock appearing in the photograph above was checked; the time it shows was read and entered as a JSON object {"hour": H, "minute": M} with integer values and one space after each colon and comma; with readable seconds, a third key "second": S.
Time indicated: {"hour": 6, "minute": 19}
